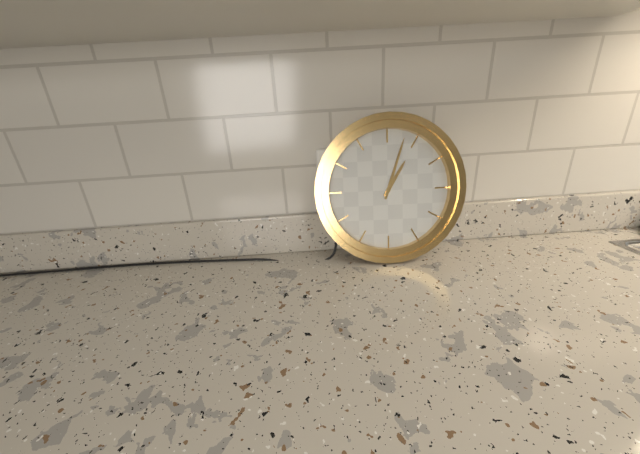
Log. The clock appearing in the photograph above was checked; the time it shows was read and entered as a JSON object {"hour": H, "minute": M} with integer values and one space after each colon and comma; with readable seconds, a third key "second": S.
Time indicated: {"hour": 1, "minute": 3}
